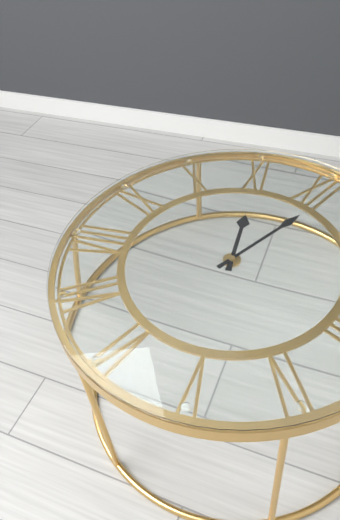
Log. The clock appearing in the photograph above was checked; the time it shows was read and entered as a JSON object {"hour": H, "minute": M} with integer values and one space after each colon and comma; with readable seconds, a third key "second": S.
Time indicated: {"hour": 11, "minute": 1}
